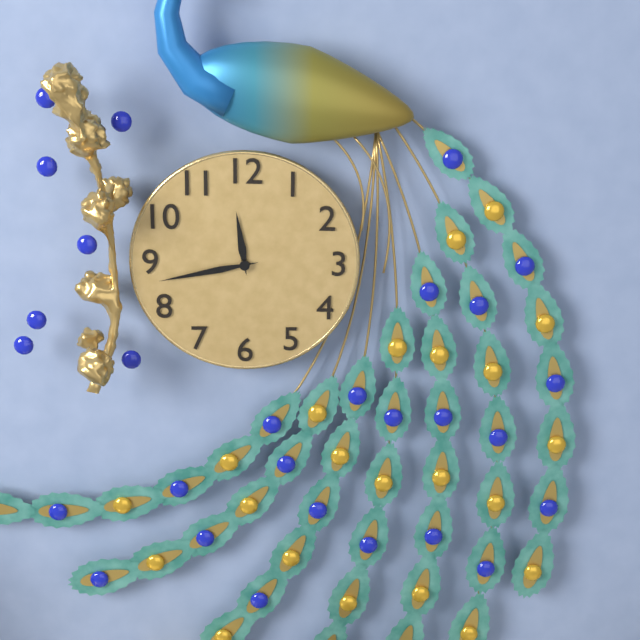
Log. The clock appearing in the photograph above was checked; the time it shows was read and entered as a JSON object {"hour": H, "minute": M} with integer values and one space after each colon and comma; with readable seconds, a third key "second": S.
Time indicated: {"hour": 11, "minute": 43}
